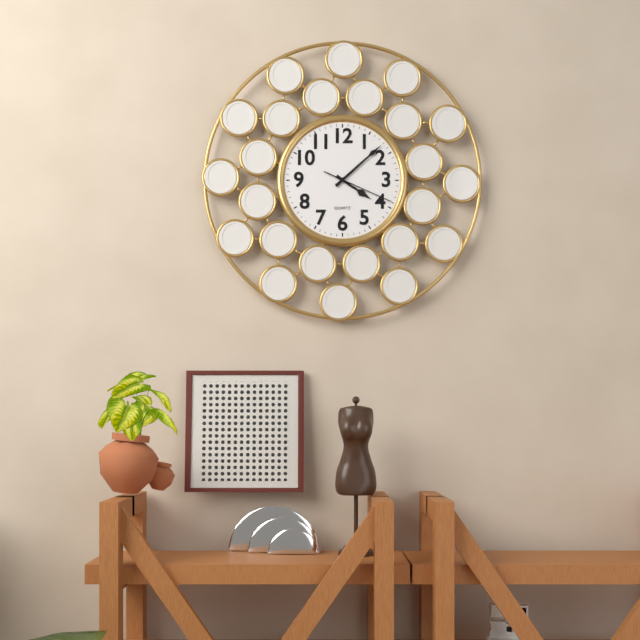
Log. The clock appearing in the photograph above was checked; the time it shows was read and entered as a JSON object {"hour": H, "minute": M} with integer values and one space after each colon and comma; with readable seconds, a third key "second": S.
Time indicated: {"hour": 4, "minute": 8, "second": 19}
